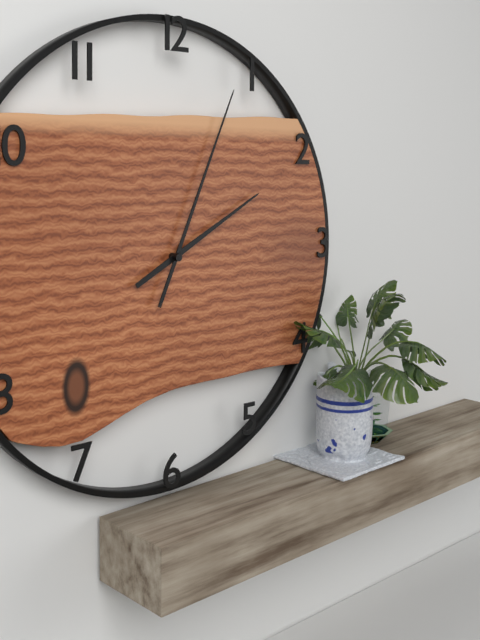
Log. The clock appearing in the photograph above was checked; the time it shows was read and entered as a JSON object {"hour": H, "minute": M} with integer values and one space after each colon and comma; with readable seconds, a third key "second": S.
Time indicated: {"hour": 2, "minute": 4}
